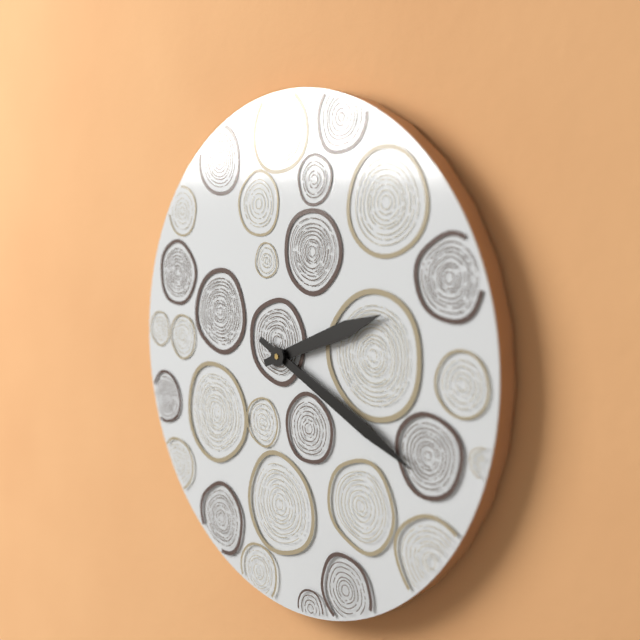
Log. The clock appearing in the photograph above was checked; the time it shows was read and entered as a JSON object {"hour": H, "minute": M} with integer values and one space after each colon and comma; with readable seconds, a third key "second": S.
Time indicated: {"hour": 2, "minute": 19}
